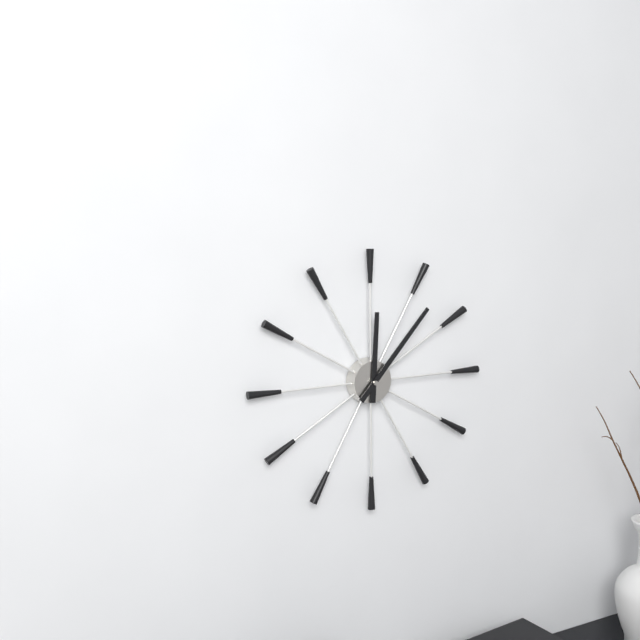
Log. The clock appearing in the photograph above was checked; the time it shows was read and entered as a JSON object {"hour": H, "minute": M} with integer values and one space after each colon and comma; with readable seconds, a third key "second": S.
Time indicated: {"hour": 12, "minute": 7}
